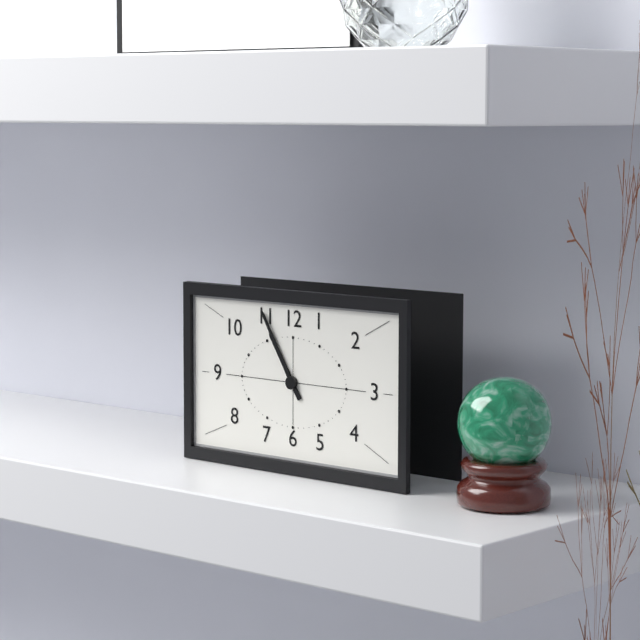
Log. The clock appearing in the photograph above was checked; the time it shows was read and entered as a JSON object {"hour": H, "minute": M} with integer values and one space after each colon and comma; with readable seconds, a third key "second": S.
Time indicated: {"hour": 10, "minute": 55}
